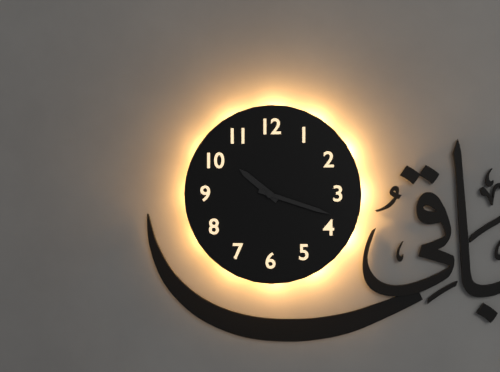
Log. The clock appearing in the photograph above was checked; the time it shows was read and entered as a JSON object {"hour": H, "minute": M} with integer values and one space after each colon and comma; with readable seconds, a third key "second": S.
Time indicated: {"hour": 10, "minute": 18}
